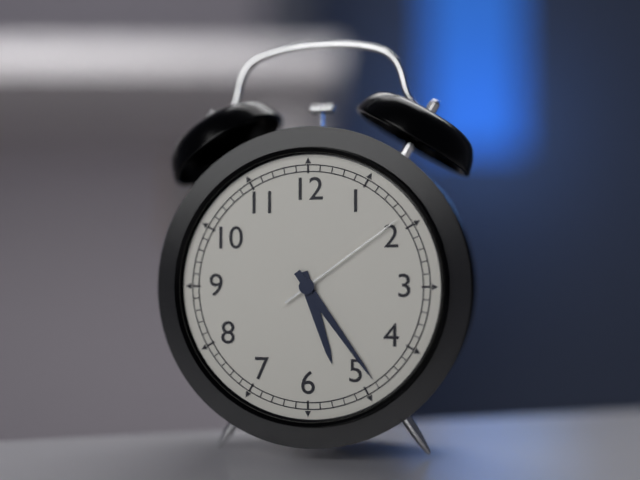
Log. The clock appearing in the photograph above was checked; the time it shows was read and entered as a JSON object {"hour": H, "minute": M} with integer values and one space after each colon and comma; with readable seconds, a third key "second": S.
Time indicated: {"hour": 5, "minute": 24, "second": 9}
